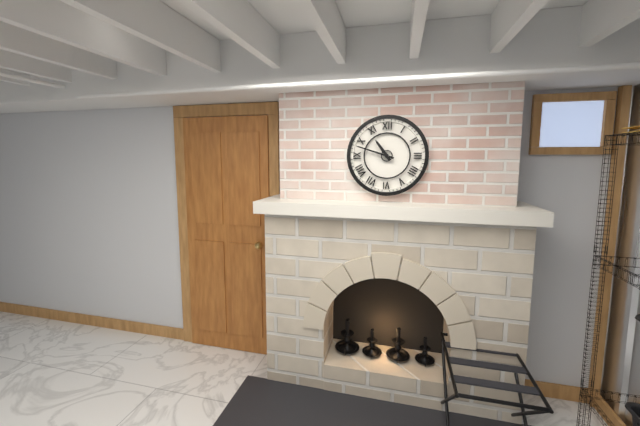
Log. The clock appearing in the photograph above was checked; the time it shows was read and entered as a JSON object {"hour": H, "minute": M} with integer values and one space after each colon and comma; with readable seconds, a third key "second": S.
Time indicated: {"hour": 10, "minute": 48}
